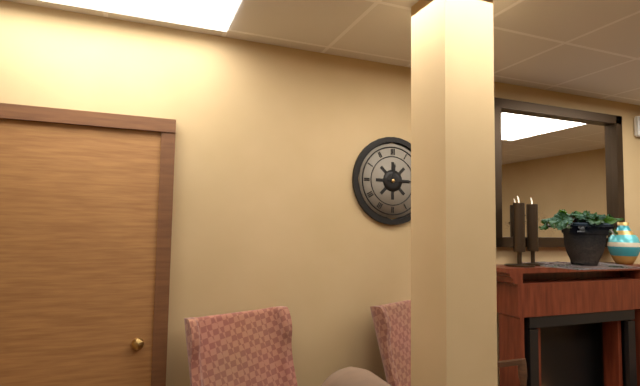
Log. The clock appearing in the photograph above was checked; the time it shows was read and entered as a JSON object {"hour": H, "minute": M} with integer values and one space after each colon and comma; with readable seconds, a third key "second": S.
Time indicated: {"hour": 12, "minute": 15}
